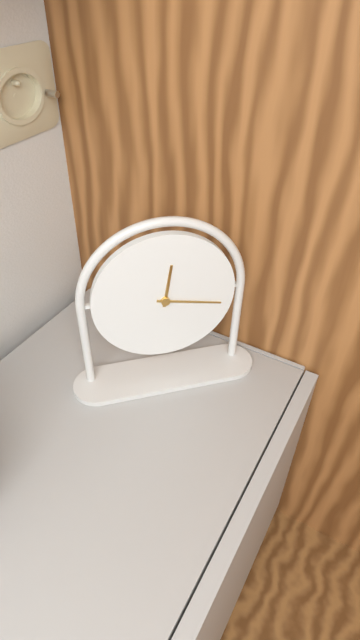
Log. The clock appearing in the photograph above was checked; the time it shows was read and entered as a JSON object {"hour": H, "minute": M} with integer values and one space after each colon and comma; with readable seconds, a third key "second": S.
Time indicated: {"hour": 12, "minute": 17}
